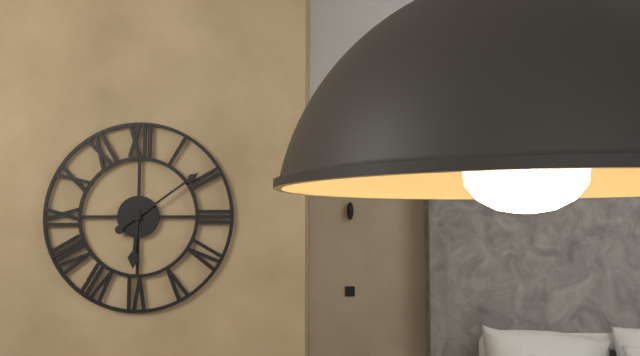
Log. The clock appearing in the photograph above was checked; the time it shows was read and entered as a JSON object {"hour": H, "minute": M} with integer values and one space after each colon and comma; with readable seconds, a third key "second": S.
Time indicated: {"hour": 6, "minute": 9}
